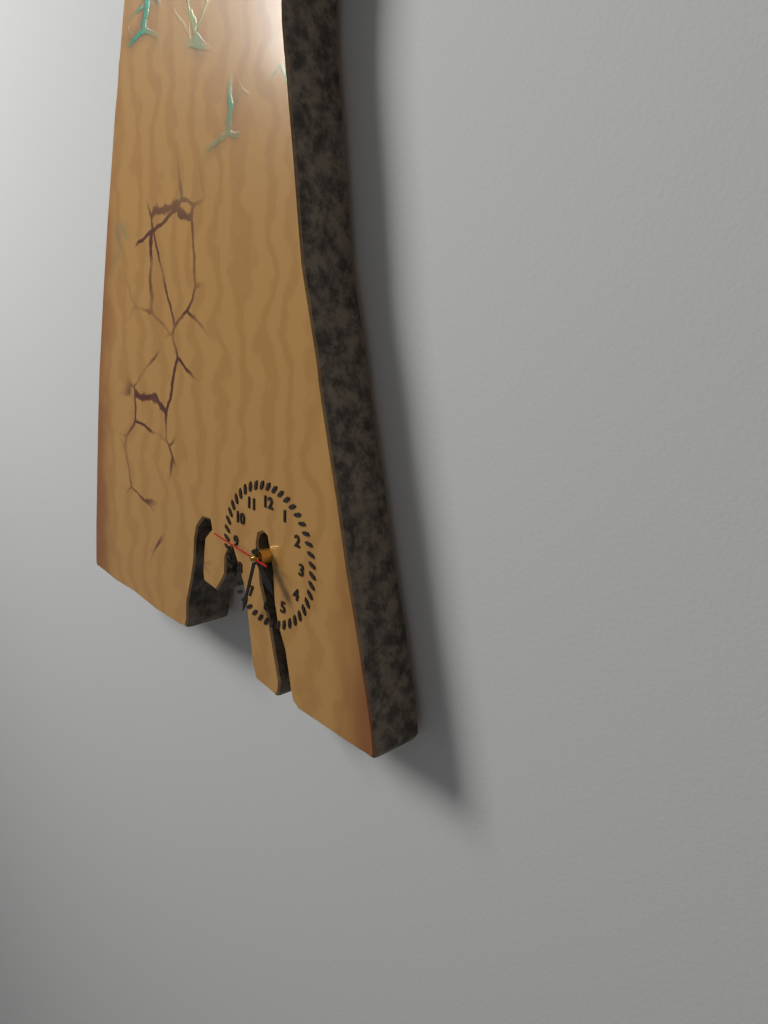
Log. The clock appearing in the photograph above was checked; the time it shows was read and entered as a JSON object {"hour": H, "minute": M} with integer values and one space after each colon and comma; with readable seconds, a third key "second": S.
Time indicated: {"hour": 4, "minute": 33, "second": 46}
